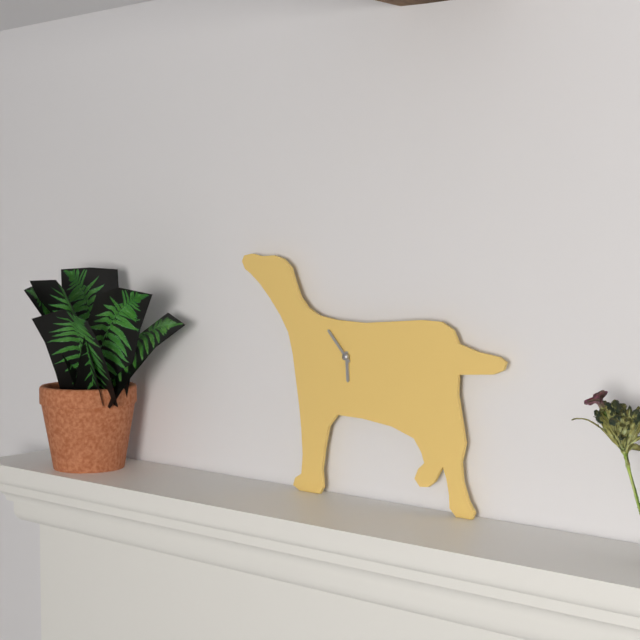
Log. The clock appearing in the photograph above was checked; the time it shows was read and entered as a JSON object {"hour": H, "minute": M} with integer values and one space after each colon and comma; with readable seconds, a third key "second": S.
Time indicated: {"hour": 5, "minute": 53}
